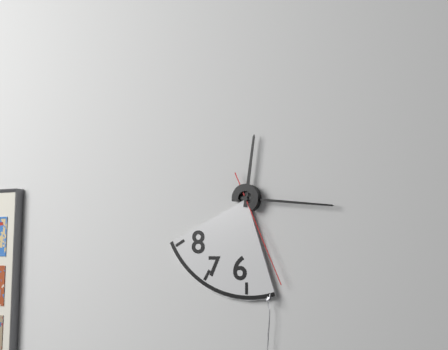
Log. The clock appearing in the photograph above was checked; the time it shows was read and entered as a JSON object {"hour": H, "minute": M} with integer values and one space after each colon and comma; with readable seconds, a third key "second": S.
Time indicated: {"hour": 12, "minute": 16, "second": 26}
